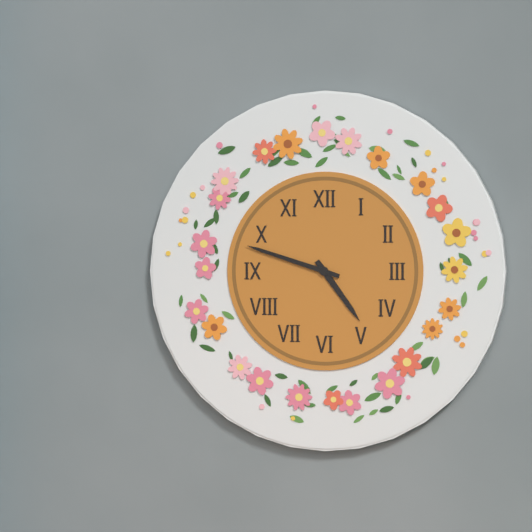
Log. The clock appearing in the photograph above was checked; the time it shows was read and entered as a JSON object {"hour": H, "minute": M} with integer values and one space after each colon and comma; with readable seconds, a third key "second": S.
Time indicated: {"hour": 4, "minute": 48}
